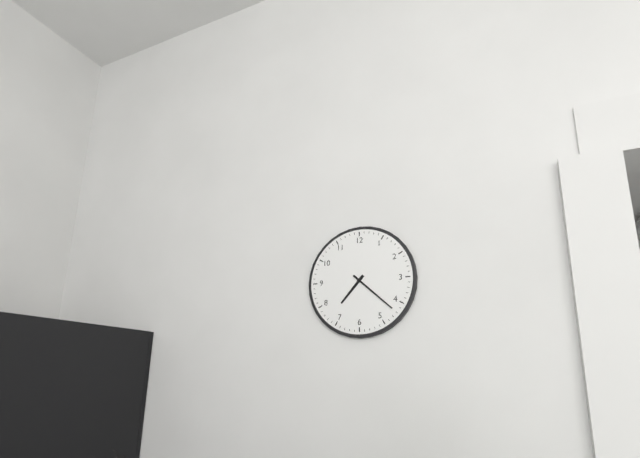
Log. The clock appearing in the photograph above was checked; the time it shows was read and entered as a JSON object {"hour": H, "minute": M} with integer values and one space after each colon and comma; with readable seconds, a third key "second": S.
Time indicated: {"hour": 7, "minute": 22}
